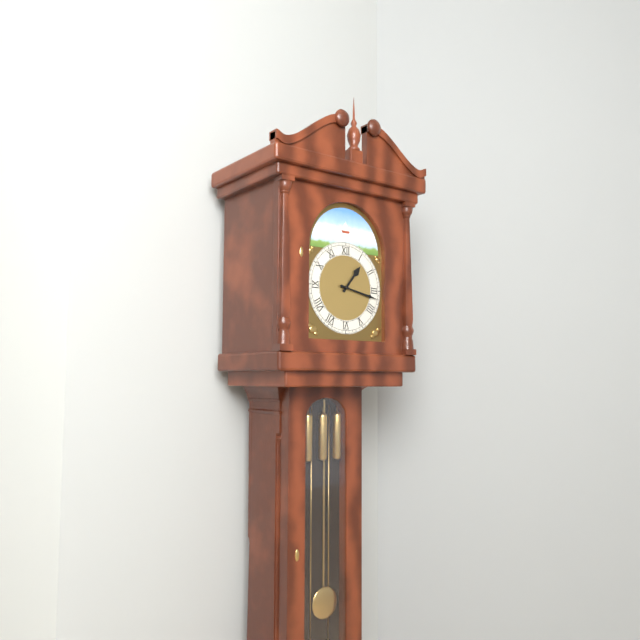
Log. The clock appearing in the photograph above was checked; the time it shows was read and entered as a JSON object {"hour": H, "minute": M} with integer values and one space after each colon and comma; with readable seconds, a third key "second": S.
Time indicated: {"hour": 1, "minute": 17}
